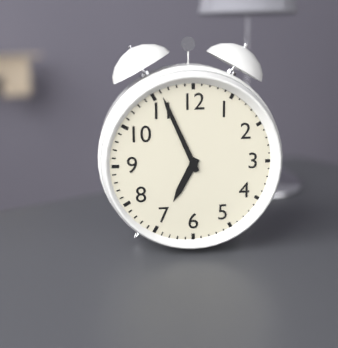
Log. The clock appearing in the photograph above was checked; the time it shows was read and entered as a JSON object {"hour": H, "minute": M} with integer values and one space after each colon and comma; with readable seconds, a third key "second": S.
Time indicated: {"hour": 6, "minute": 56}
